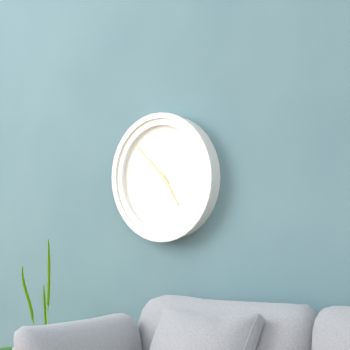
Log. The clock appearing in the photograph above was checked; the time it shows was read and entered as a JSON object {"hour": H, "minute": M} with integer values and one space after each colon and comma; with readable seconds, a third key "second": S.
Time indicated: {"hour": 4, "minute": 52}
